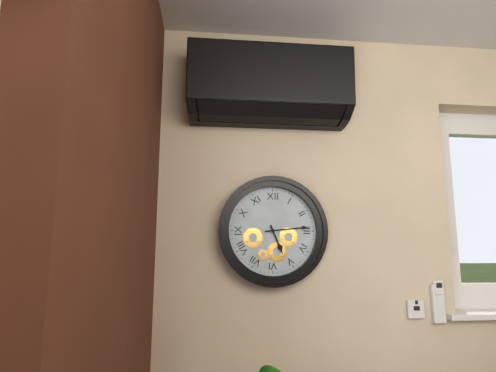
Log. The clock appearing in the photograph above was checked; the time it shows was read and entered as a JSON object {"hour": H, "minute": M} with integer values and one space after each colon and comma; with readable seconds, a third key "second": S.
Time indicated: {"hour": 5, "minute": 14}
